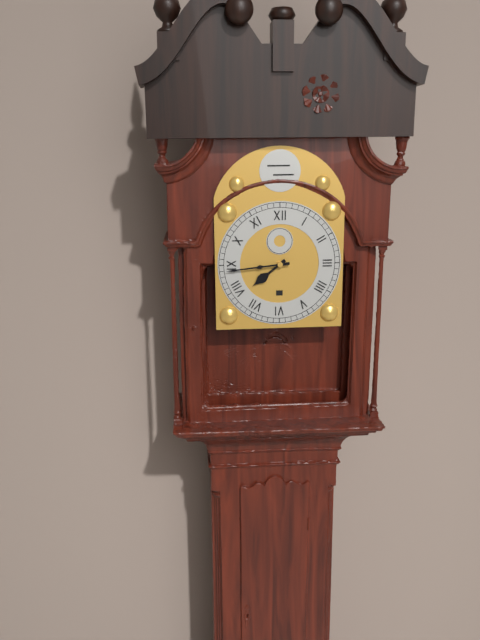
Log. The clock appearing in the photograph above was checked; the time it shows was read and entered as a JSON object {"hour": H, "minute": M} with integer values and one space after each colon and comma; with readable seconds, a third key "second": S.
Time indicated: {"hour": 7, "minute": 44}
